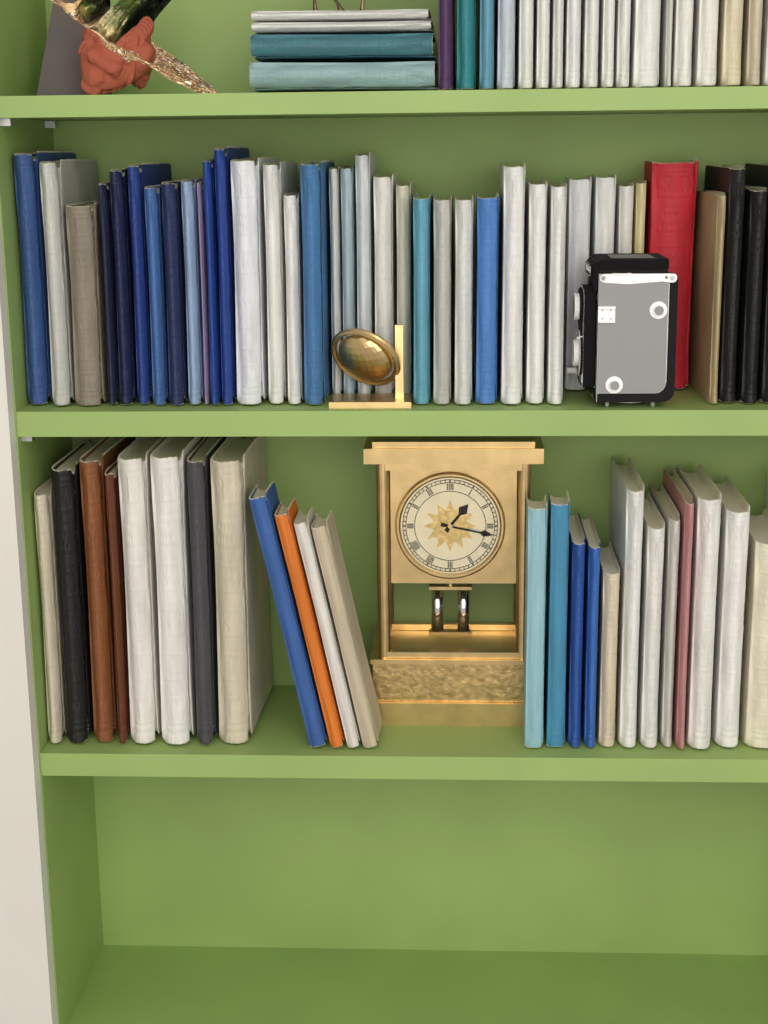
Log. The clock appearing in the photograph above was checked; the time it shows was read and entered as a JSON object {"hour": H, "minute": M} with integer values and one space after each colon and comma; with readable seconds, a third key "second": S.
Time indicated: {"hour": 1, "minute": 17}
